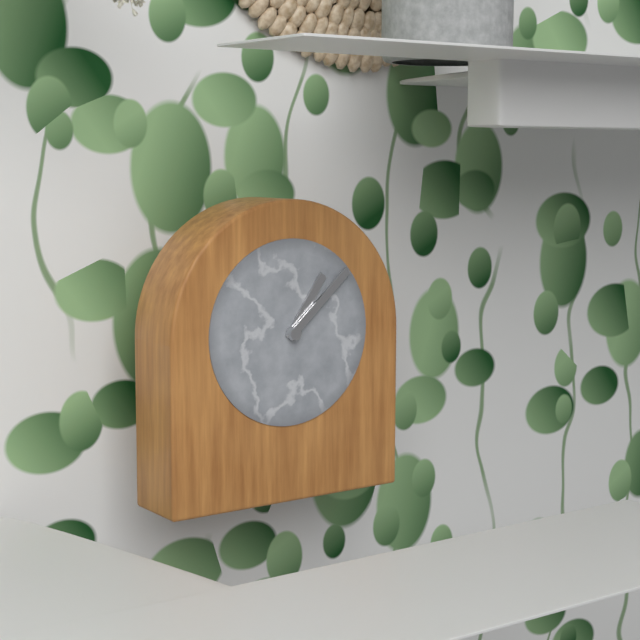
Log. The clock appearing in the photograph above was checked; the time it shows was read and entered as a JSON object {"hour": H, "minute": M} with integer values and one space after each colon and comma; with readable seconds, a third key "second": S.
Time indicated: {"hour": 1, "minute": 8}
